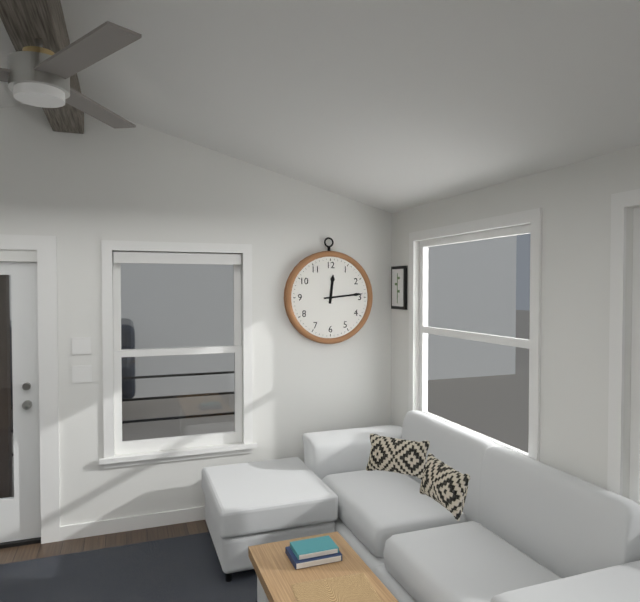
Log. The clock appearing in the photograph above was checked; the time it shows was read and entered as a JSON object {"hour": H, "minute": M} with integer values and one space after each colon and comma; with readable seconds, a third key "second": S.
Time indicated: {"hour": 12, "minute": 14}
